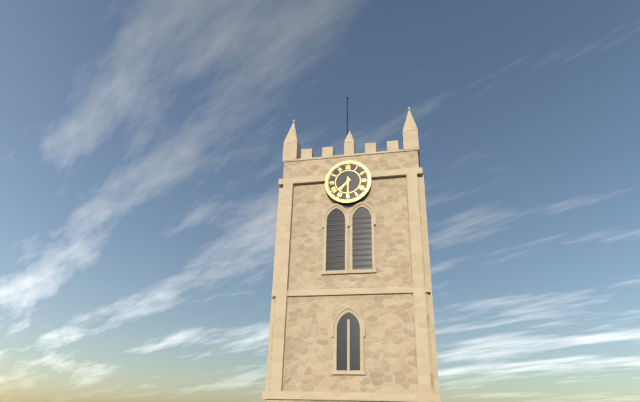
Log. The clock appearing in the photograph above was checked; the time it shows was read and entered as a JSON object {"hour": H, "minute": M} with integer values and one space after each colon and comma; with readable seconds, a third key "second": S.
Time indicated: {"hour": 7, "minute": 30}
